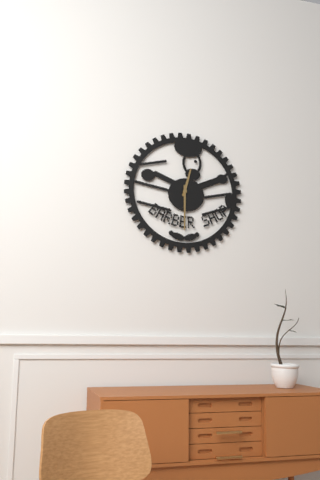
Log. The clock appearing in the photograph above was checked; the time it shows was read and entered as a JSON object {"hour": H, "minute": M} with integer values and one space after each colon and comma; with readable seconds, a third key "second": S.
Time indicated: {"hour": 12, "minute": 30}
